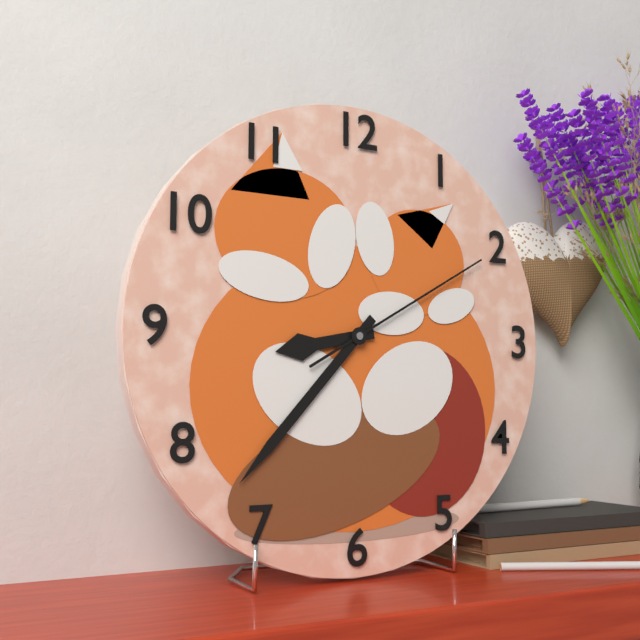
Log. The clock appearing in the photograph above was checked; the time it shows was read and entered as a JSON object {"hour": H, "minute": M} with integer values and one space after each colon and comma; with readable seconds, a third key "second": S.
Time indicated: {"hour": 8, "minute": 37, "second": 10}
